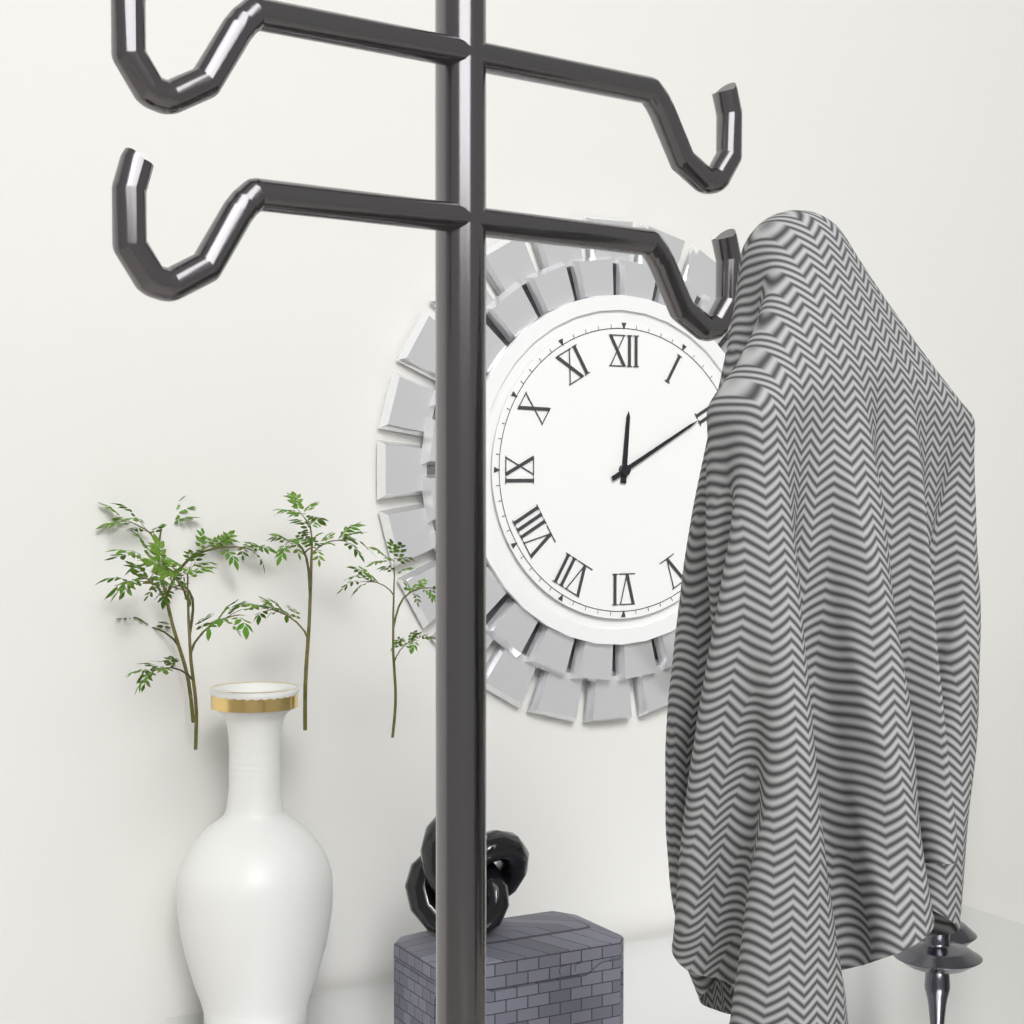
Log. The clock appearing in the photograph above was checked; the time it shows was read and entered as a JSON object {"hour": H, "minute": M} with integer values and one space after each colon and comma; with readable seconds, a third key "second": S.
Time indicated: {"hour": 12, "minute": 10}
